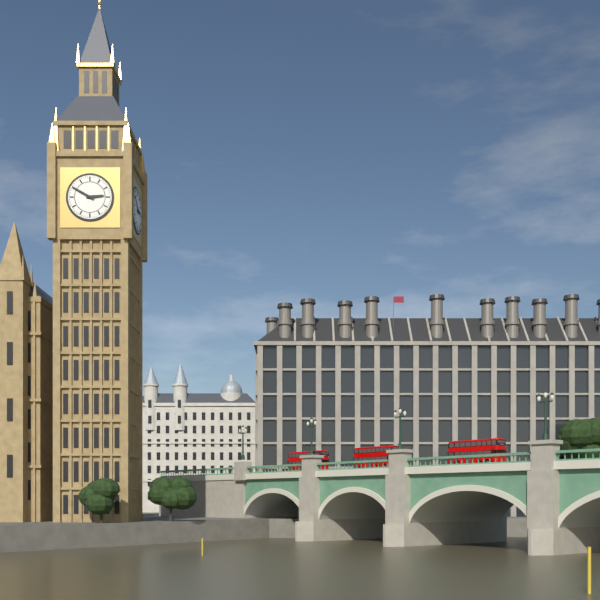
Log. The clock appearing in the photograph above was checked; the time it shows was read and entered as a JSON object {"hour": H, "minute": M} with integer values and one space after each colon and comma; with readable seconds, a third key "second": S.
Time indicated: {"hour": 2, "minute": 50}
